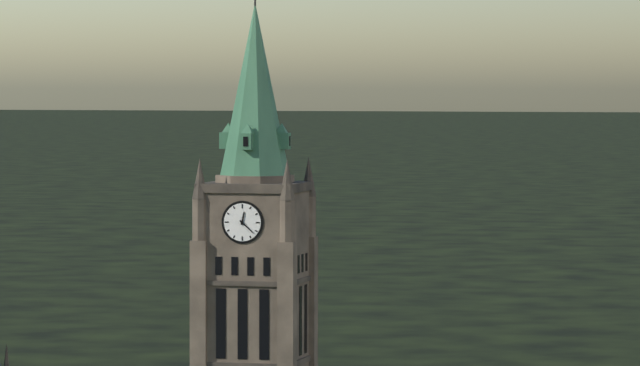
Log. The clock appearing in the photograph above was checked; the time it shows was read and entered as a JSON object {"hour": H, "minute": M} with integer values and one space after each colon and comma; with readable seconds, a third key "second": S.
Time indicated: {"hour": 12, "minute": 22}
